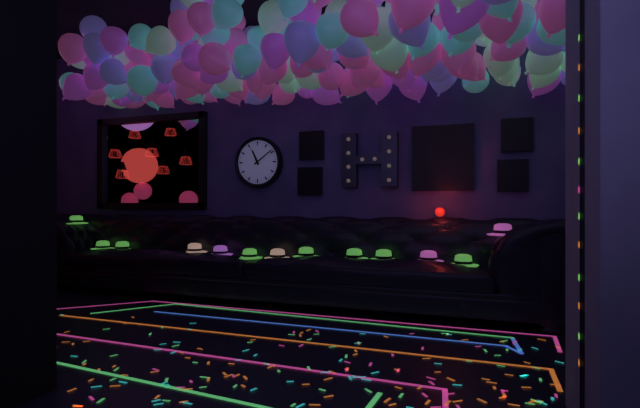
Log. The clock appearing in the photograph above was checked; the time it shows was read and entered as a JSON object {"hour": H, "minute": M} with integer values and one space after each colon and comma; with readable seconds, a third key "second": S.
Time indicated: {"hour": 11, "minute": 9}
